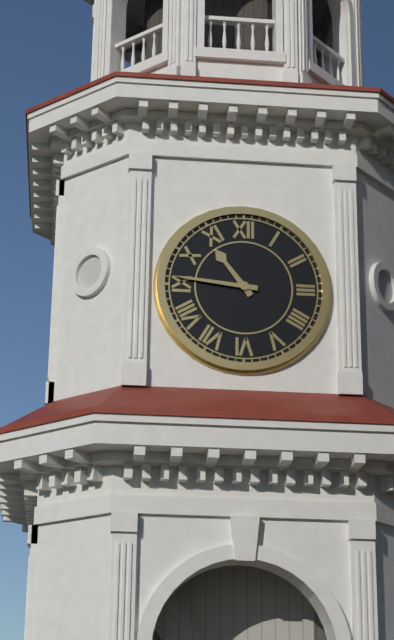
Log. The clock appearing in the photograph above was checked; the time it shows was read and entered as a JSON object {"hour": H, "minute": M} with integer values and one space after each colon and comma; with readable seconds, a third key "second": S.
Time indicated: {"hour": 10, "minute": 46}
